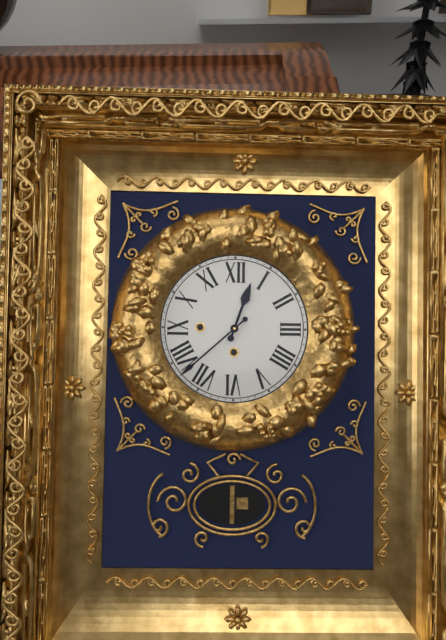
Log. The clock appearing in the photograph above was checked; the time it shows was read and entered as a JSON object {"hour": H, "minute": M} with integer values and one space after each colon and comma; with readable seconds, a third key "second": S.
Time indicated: {"hour": 12, "minute": 38}
